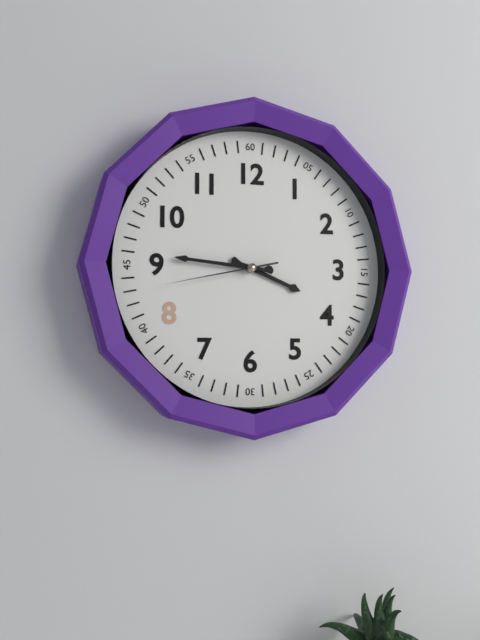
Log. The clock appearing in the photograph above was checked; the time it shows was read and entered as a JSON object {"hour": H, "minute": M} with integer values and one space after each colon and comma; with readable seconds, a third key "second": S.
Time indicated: {"hour": 3, "minute": 46, "second": 43}
